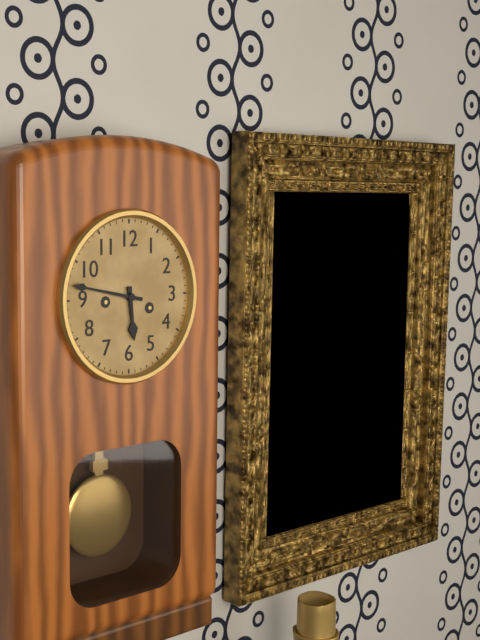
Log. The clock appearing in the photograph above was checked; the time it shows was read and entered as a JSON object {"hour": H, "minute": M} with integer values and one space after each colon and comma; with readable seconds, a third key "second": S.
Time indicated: {"hour": 5, "minute": 47}
